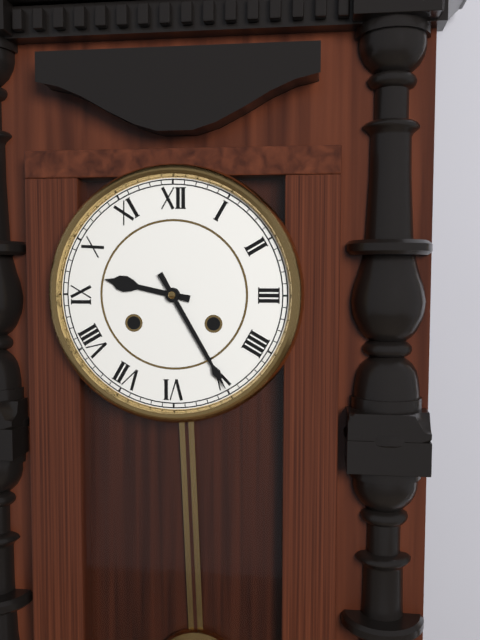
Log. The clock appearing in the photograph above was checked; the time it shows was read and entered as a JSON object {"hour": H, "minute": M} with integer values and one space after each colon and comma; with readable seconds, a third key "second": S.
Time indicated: {"hour": 9, "minute": 25}
